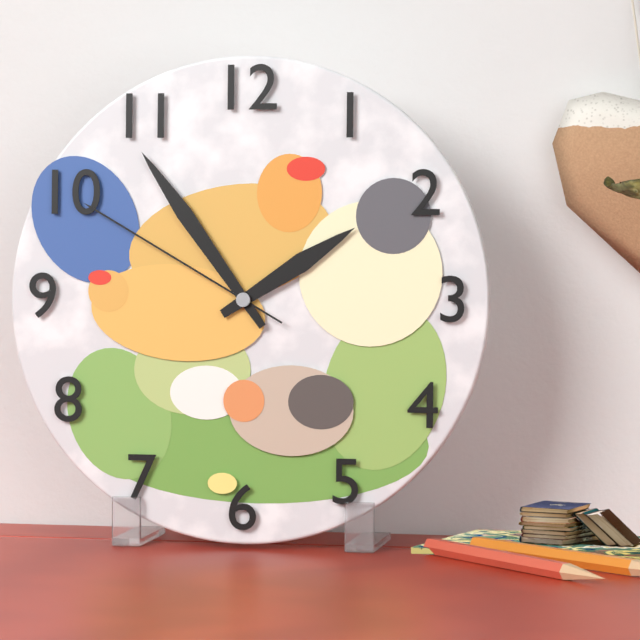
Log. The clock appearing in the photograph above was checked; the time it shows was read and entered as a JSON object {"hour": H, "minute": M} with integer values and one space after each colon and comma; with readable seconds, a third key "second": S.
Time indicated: {"hour": 1, "minute": 54, "second": 50}
